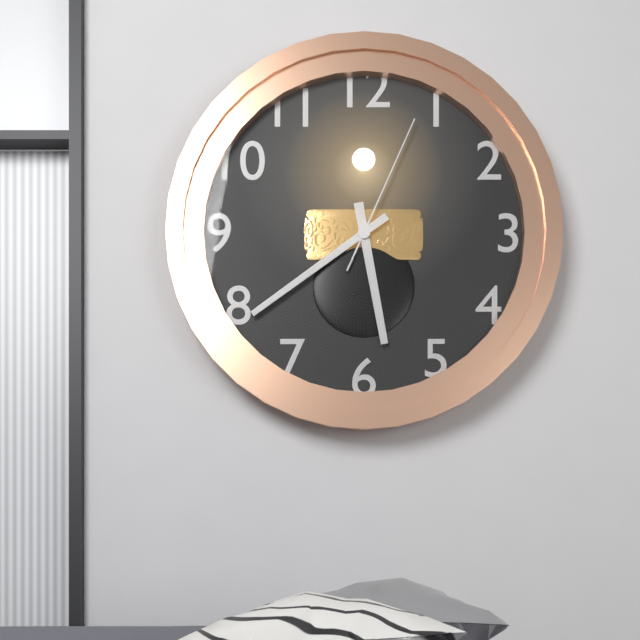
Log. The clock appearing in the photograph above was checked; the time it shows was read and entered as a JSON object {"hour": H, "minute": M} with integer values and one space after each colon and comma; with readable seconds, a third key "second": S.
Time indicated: {"hour": 5, "minute": 39, "second": 4}
